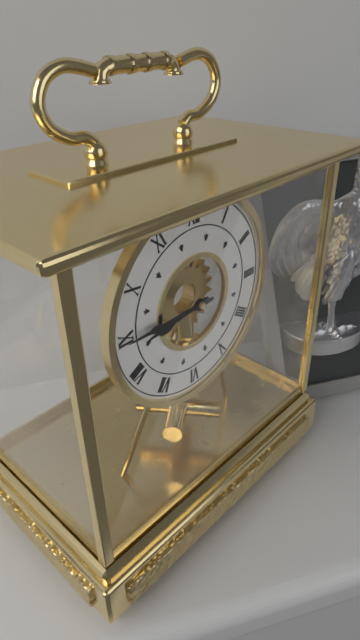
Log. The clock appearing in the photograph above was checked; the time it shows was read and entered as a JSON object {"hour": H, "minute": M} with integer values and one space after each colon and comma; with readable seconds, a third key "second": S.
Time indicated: {"hour": 8, "minute": 45}
